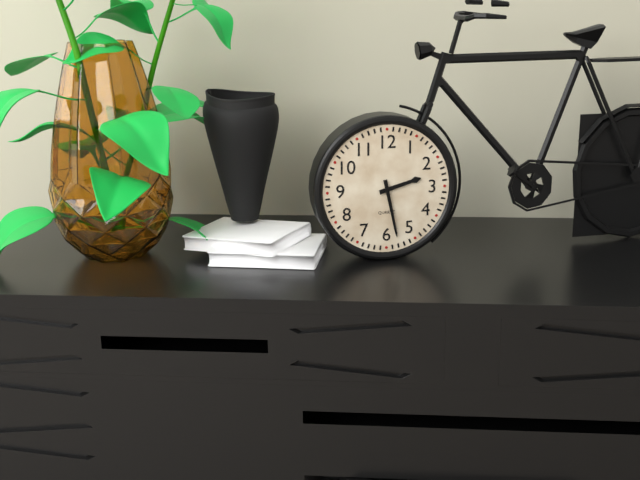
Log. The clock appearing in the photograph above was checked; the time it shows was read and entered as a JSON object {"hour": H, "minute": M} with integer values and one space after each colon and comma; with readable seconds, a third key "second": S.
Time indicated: {"hour": 2, "minute": 28}
